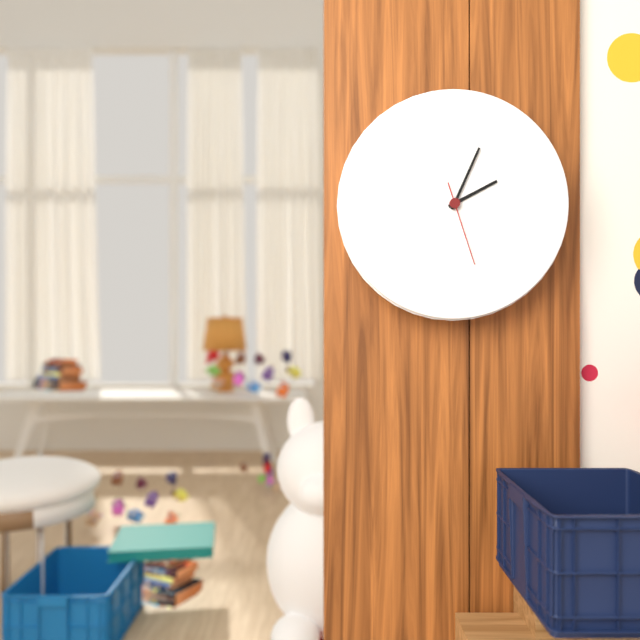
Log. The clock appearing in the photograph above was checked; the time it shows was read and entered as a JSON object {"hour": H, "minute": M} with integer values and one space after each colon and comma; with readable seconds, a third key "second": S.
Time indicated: {"hour": 2, "minute": 4, "second": 27}
